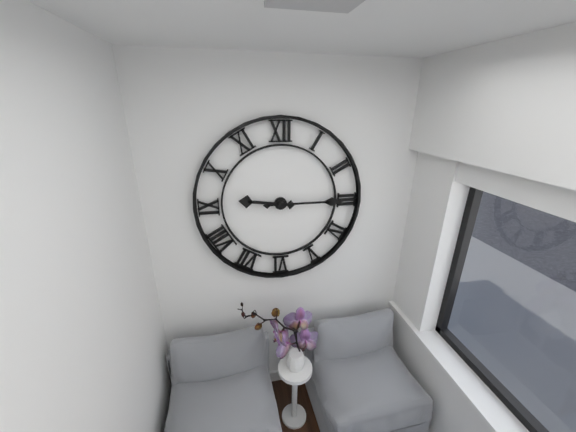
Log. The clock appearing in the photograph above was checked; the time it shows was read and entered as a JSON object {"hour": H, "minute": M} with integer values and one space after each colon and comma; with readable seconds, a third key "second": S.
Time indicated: {"hour": 9, "minute": 15}
